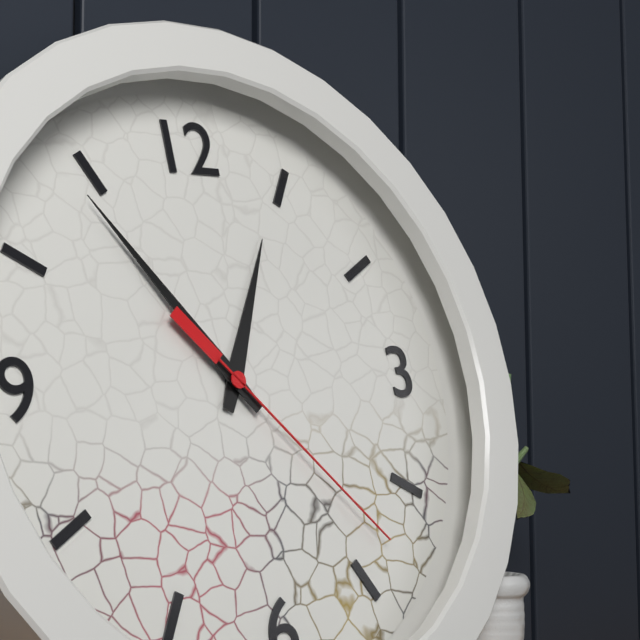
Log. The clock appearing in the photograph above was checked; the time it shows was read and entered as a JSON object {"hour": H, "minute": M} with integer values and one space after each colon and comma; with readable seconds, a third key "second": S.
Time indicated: {"hour": 12, "minute": 54, "second": 23}
